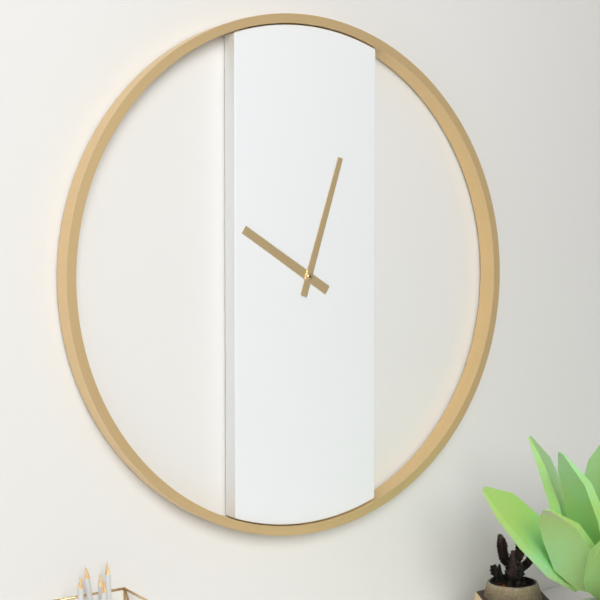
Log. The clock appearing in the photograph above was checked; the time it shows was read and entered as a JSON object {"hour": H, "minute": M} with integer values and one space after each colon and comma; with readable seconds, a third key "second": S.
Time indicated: {"hour": 10, "minute": 3}
